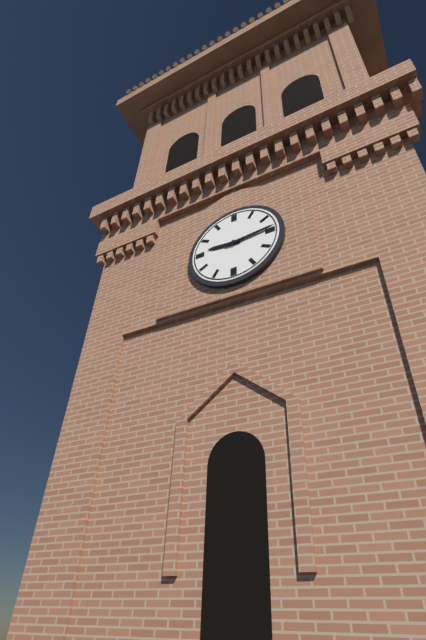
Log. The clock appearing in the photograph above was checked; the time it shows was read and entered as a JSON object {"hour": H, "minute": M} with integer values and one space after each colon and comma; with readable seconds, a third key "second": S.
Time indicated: {"hour": 9, "minute": 14}
